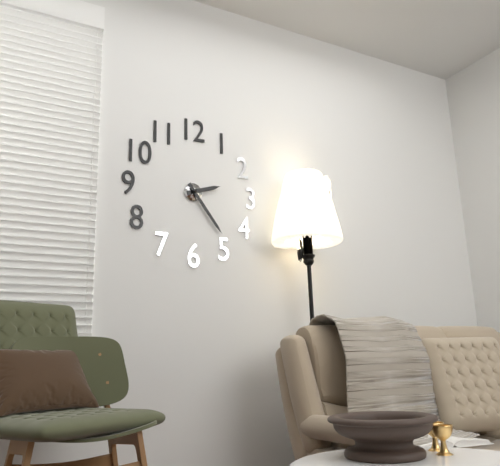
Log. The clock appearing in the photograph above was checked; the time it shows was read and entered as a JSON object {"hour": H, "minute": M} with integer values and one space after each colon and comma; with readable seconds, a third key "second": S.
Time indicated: {"hour": 2, "minute": 24}
